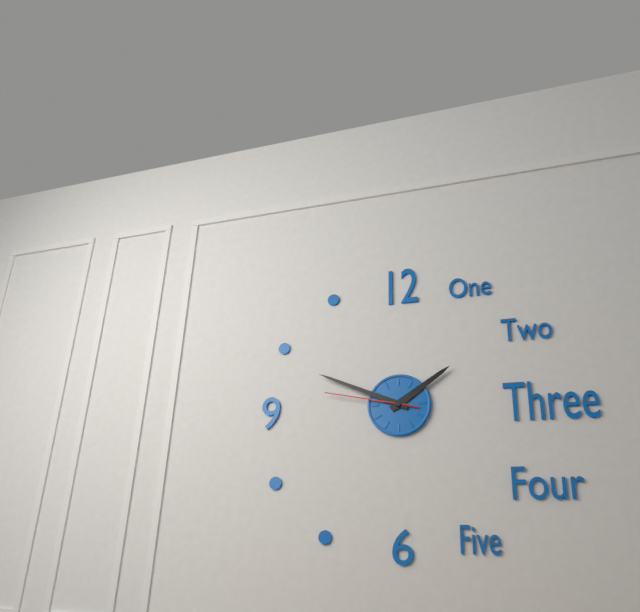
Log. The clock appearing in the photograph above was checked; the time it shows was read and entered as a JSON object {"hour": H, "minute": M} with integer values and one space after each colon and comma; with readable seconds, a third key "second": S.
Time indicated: {"hour": 1, "minute": 49, "second": 47}
